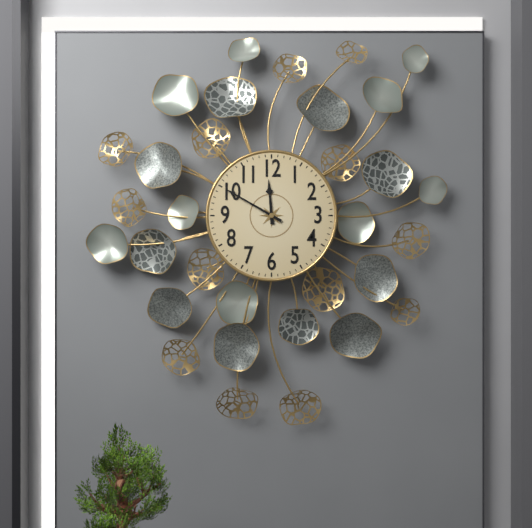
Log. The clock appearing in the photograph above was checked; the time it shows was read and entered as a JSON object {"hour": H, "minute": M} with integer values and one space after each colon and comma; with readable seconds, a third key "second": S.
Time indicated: {"hour": 11, "minute": 50}
